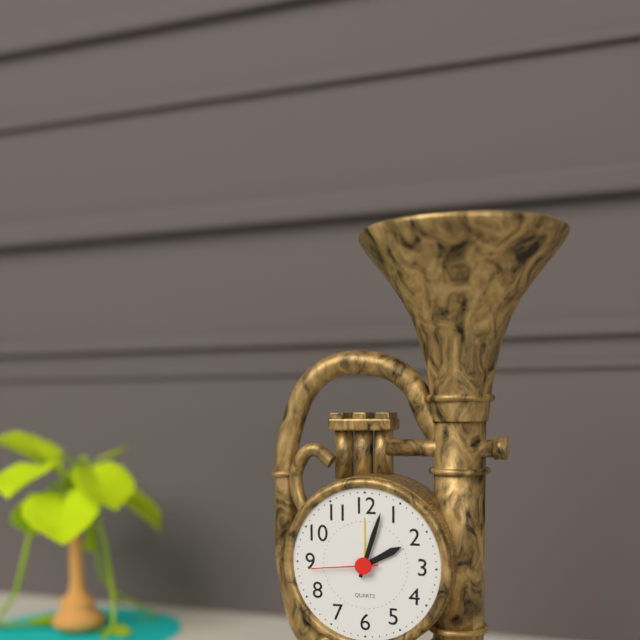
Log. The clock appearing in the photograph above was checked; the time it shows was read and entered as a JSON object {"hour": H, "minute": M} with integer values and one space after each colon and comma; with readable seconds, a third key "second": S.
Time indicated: {"hour": 2, "minute": 3, "second": 44}
